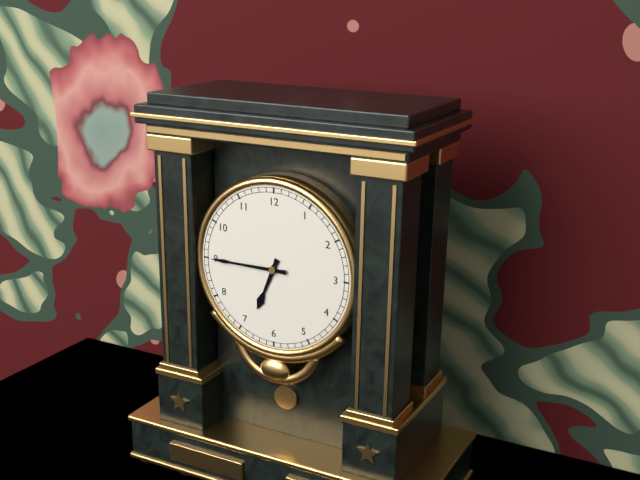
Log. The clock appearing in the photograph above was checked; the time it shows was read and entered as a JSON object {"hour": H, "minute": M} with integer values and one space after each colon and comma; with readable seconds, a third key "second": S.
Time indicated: {"hour": 6, "minute": 45}
